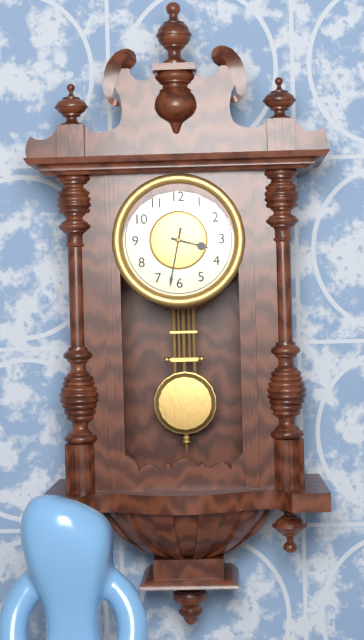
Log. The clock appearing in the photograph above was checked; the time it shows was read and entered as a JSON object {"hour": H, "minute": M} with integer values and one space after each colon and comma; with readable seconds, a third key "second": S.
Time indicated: {"hour": 3, "minute": 32}
